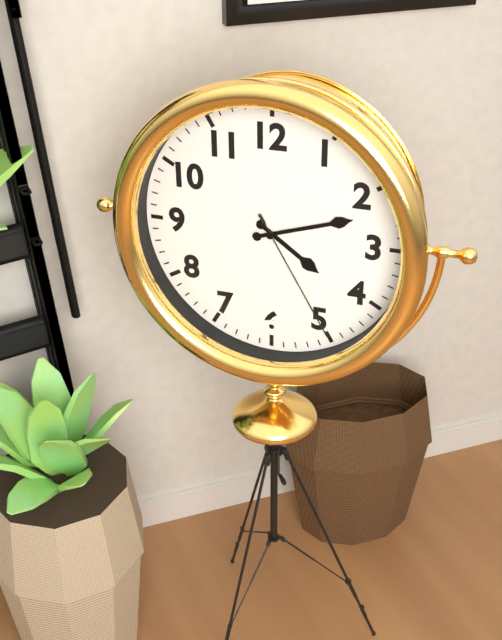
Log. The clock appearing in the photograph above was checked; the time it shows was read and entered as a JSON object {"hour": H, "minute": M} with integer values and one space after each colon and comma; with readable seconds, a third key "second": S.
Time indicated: {"hour": 4, "minute": 12, "second": 25}
